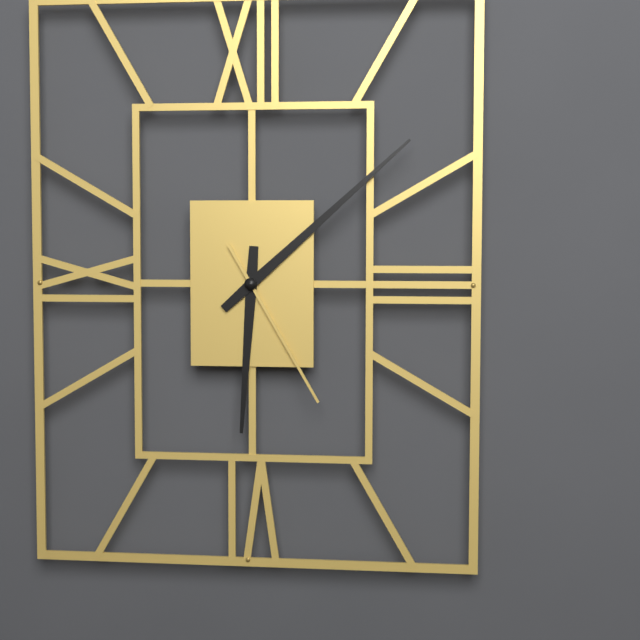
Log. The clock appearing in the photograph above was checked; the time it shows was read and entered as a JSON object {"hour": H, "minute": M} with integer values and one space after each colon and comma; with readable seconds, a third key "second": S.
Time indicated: {"hour": 6, "minute": 8, "second": 25}
